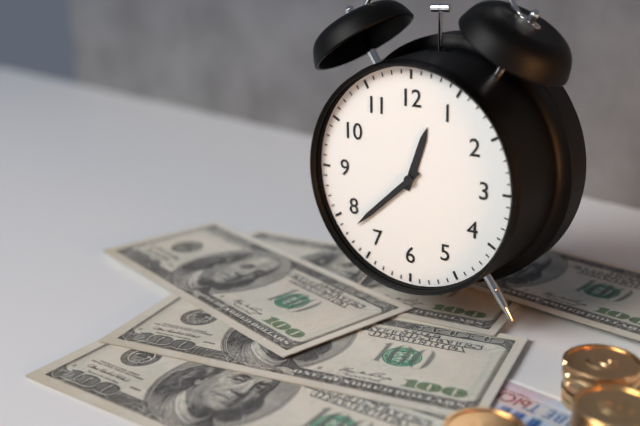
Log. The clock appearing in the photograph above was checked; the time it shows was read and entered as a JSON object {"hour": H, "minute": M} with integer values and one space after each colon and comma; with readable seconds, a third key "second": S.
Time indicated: {"hour": 12, "minute": 38}
